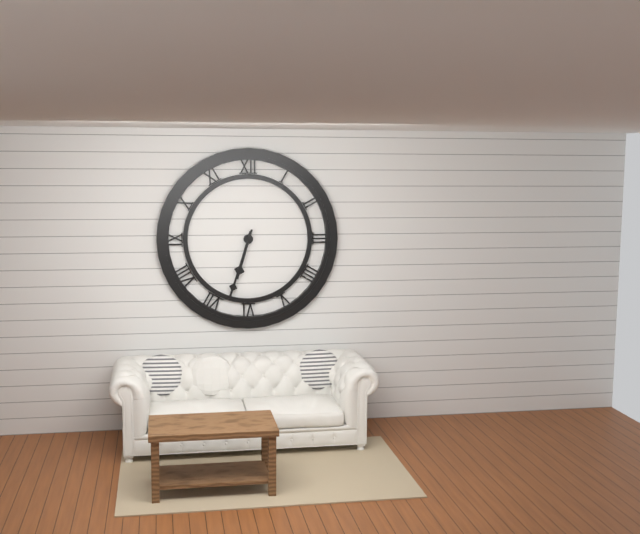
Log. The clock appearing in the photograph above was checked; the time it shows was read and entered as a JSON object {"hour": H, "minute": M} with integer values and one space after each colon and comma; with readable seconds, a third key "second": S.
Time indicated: {"hour": 6, "minute": 33}
